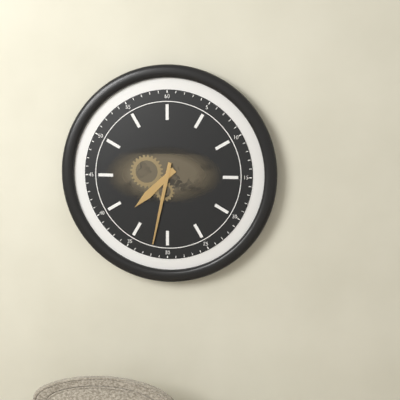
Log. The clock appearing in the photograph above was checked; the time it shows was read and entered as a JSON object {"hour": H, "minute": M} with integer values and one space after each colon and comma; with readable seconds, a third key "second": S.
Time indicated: {"hour": 7, "minute": 32}
